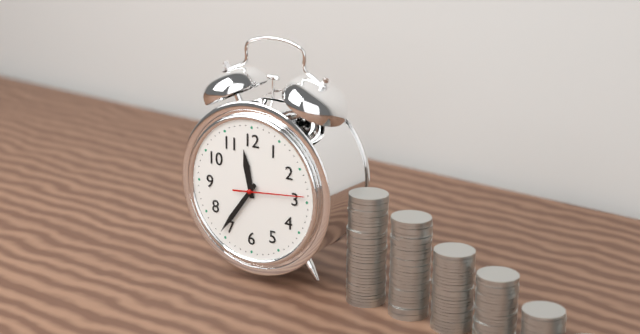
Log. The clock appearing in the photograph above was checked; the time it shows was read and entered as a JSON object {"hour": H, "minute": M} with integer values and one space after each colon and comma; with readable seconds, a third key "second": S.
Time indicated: {"hour": 11, "minute": 36, "second": 14}
